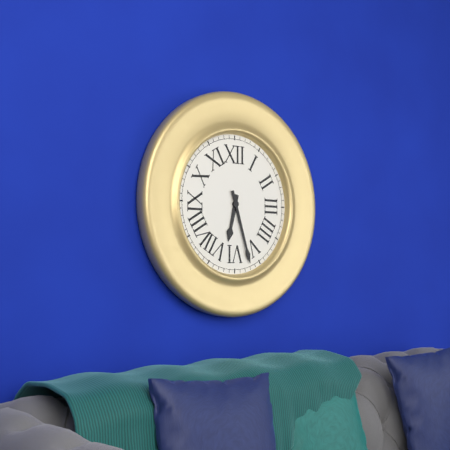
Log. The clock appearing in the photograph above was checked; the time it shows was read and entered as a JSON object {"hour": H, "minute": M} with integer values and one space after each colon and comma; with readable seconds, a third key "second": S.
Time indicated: {"hour": 6, "minute": 27}
